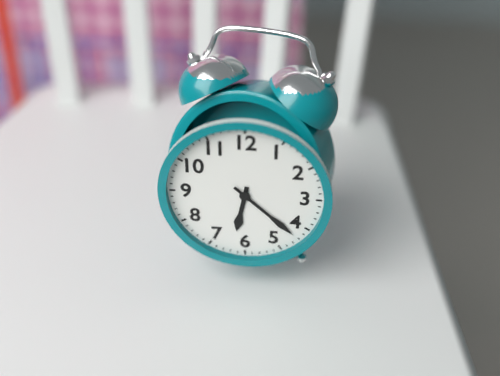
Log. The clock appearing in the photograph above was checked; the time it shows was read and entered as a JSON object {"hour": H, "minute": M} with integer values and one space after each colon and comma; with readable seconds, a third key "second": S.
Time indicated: {"hour": 6, "minute": 22}
